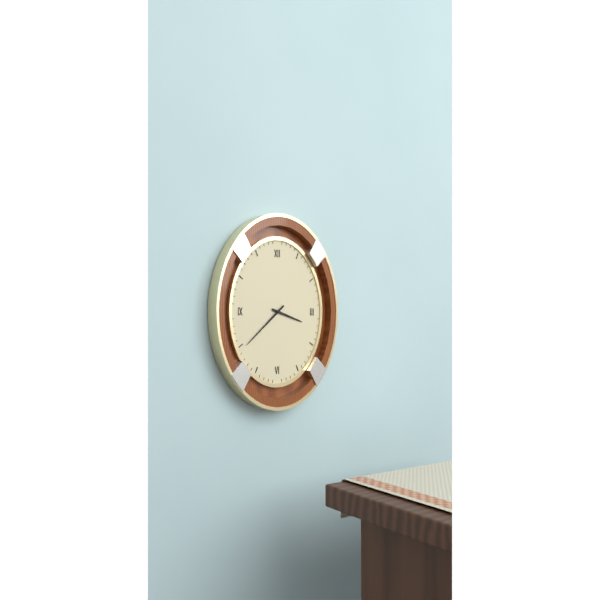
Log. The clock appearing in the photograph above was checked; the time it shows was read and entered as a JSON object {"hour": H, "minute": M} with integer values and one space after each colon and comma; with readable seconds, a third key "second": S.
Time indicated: {"hour": 3, "minute": 38}
